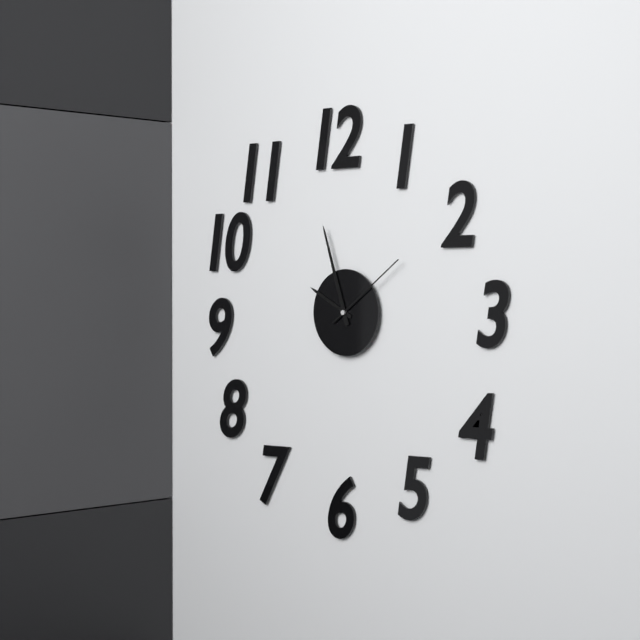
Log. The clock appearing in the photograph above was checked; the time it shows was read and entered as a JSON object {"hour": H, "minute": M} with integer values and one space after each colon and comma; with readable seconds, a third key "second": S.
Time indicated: {"hour": 9, "minute": 57, "second": 9}
